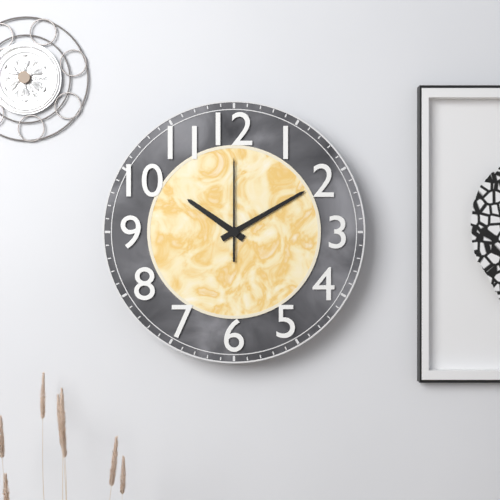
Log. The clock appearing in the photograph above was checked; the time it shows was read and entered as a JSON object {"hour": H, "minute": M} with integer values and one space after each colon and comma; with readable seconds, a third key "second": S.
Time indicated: {"hour": 10, "minute": 10, "second": 0}
